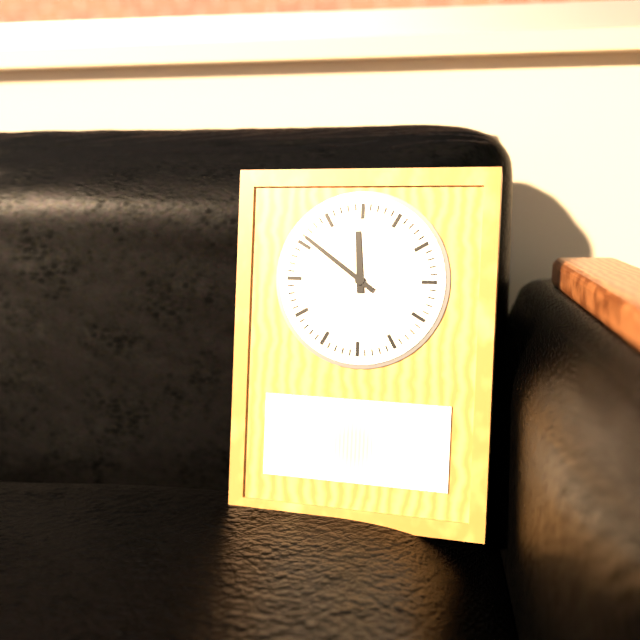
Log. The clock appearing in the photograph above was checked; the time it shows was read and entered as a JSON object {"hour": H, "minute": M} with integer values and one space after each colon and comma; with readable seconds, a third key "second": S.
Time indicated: {"hour": 11, "minute": 51}
